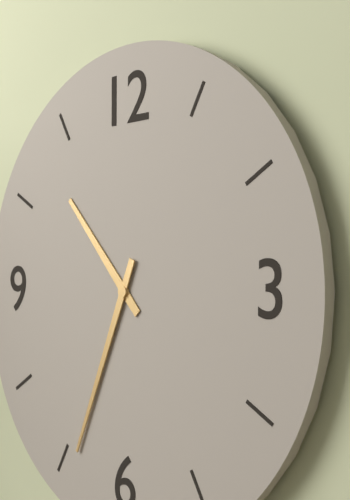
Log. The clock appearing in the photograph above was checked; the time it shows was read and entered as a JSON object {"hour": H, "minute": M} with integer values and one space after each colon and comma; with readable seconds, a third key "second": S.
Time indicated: {"hour": 10, "minute": 34}
